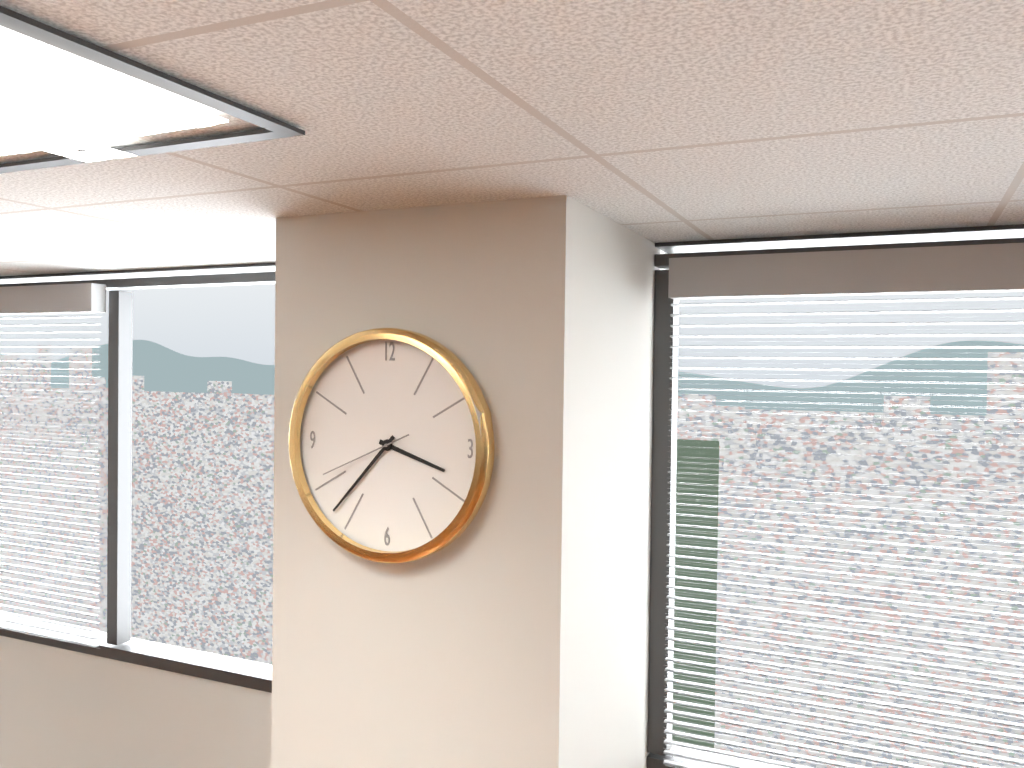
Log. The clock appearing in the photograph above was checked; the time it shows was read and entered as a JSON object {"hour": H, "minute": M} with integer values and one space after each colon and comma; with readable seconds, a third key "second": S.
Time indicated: {"hour": 3, "minute": 37, "second": 41}
